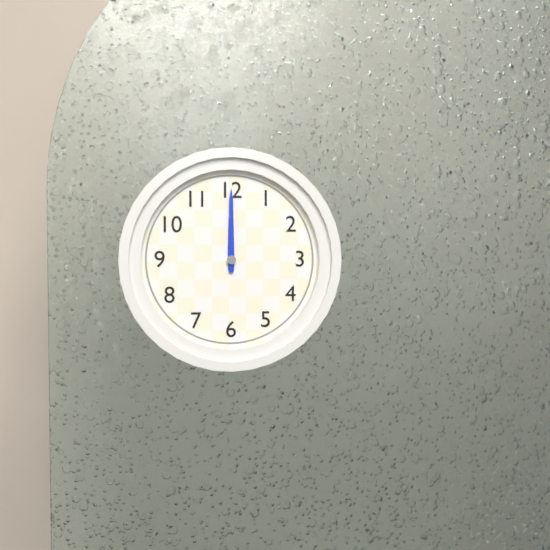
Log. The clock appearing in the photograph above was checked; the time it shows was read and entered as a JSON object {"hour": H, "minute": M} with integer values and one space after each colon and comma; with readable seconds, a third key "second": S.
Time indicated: {"hour": 12, "minute": 0}
